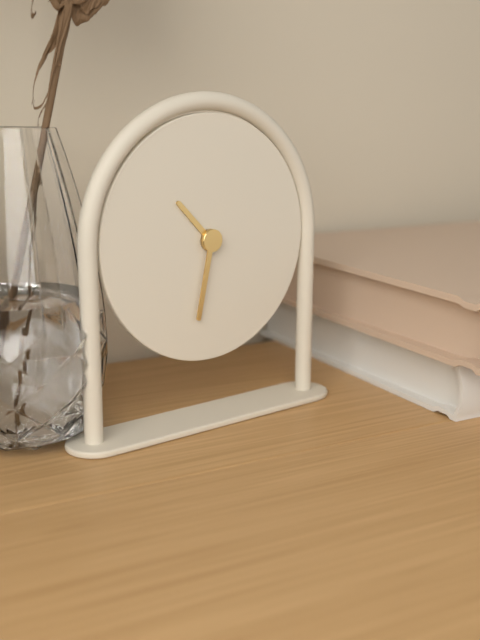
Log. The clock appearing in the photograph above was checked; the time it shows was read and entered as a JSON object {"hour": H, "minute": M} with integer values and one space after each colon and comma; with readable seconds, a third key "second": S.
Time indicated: {"hour": 10, "minute": 32}
